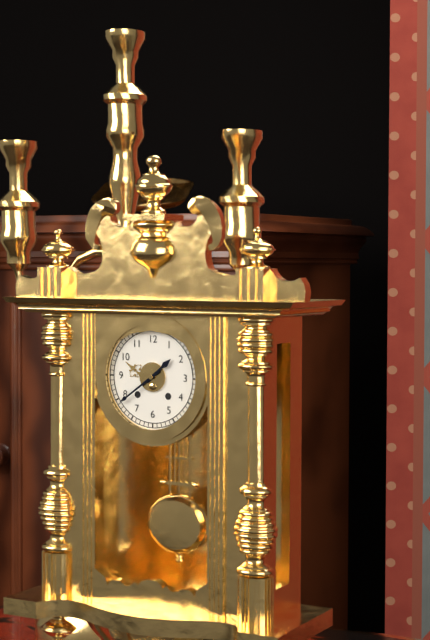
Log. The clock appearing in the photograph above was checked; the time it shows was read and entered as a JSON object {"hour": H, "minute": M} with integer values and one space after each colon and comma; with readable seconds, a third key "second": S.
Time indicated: {"hour": 1, "minute": 39}
